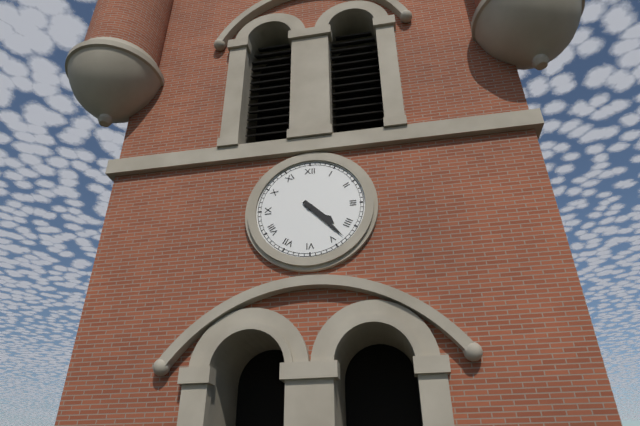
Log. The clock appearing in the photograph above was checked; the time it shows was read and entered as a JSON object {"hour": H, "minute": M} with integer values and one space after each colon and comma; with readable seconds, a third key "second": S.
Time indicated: {"hour": 4, "minute": 23}
